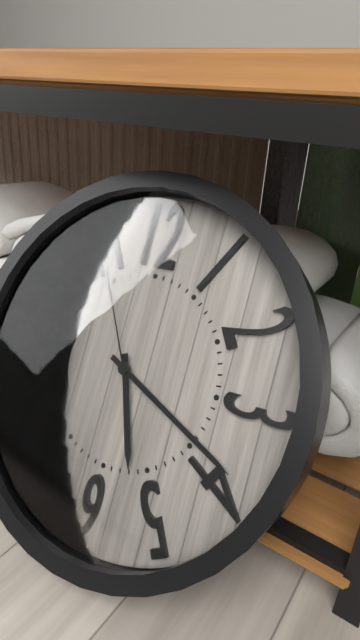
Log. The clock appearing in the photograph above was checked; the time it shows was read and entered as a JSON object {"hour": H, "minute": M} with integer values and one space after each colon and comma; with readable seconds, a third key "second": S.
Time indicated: {"hour": 5, "minute": 19, "second": 55}
